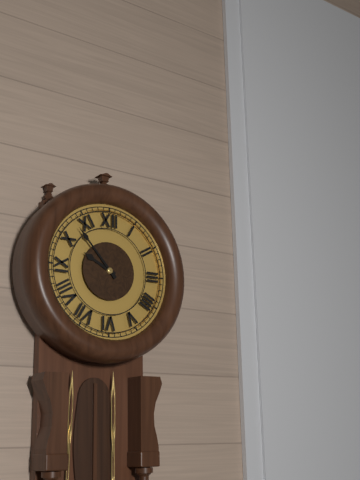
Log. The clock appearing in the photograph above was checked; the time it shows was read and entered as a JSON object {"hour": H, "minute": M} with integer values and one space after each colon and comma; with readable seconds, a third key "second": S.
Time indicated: {"hour": 9, "minute": 53}
